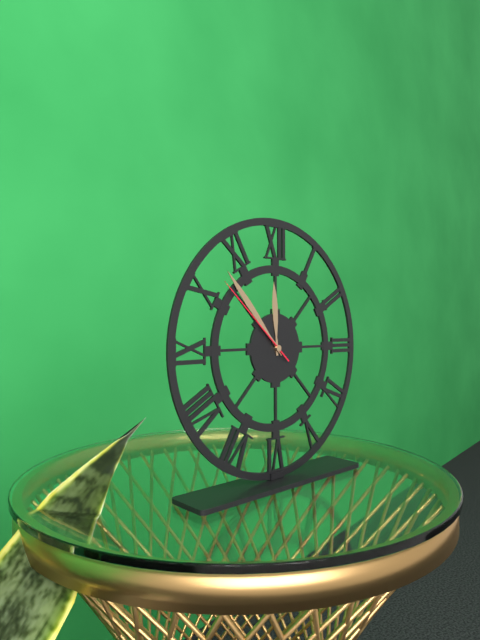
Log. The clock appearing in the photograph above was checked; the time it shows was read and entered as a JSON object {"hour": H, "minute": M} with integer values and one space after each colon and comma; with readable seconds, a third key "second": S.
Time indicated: {"hour": 11, "minute": 53, "second": 52}
